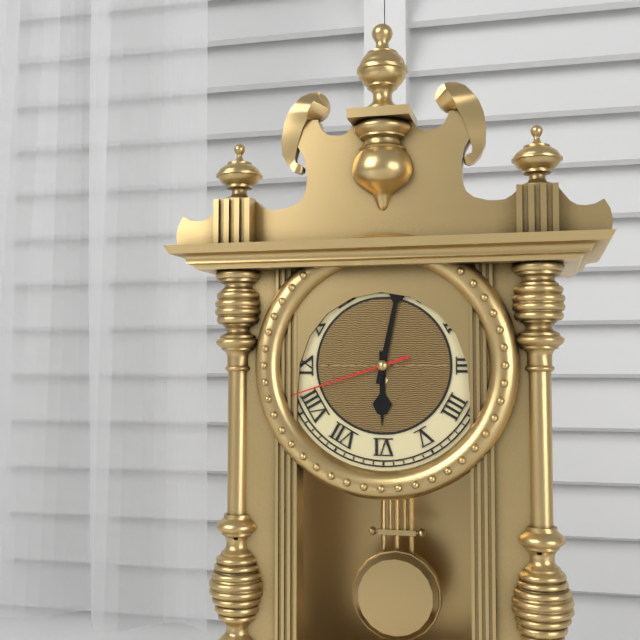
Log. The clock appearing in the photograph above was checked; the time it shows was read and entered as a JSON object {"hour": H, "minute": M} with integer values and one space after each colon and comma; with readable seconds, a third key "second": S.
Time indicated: {"hour": 6, "minute": 2, "second": 42}
